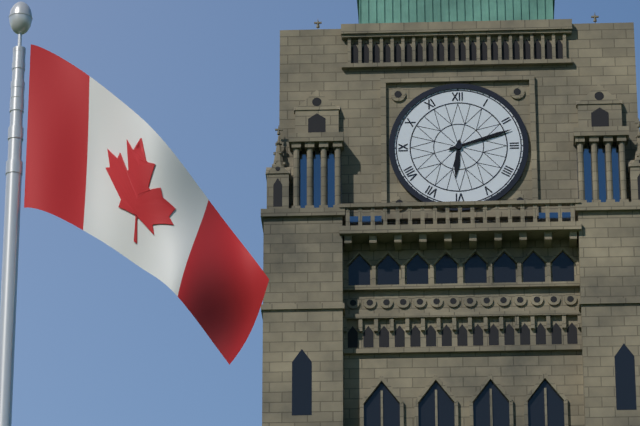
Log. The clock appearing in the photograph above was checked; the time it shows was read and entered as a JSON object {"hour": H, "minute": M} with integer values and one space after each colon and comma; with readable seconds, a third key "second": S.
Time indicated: {"hour": 6, "minute": 12}
